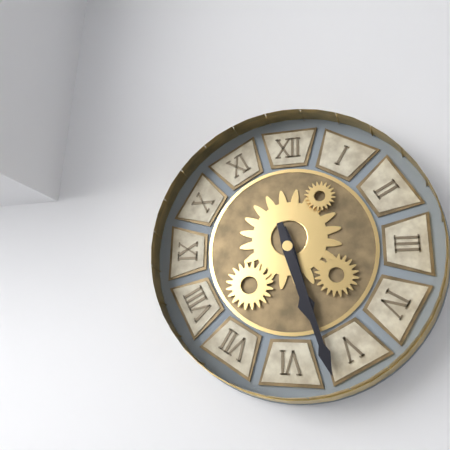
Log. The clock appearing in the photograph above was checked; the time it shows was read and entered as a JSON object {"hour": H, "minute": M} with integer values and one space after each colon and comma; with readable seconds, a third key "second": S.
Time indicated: {"hour": 5, "minute": 27}
